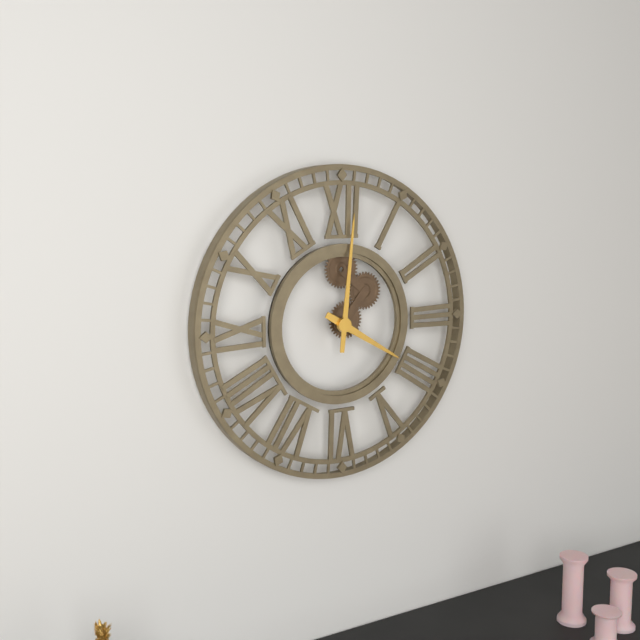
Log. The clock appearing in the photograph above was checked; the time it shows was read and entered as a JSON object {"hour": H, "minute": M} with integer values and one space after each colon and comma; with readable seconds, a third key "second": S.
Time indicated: {"hour": 4, "minute": 1}
